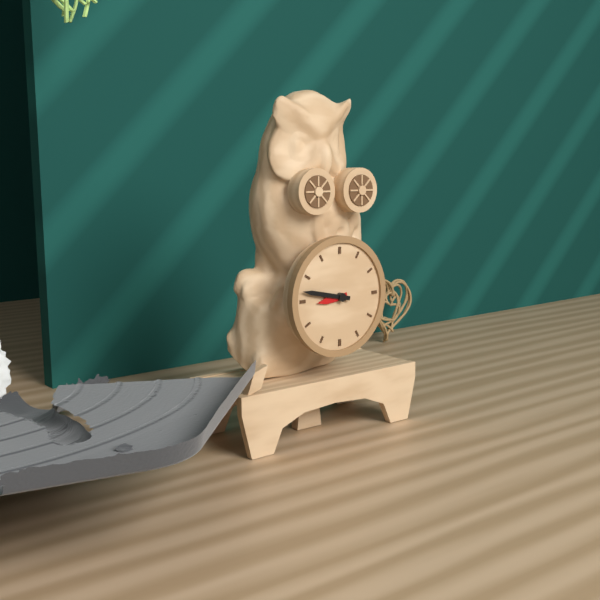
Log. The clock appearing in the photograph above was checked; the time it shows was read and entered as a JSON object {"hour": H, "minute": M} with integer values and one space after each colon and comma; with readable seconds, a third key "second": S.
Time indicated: {"hour": 8, "minute": 47}
